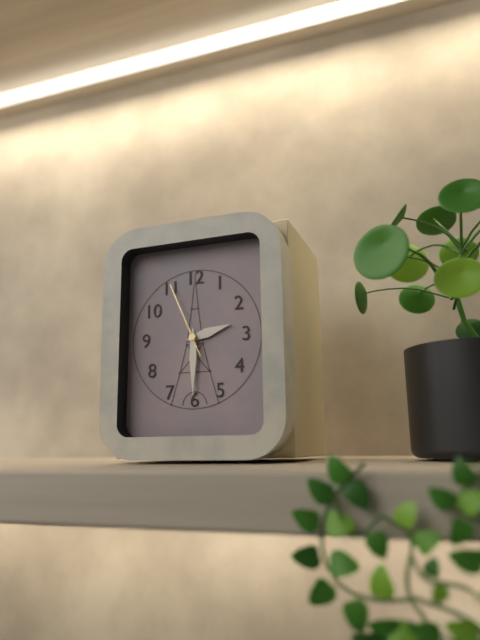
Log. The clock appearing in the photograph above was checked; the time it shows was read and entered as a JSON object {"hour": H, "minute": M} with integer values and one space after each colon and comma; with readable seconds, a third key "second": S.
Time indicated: {"hour": 2, "minute": 30, "second": 56}
